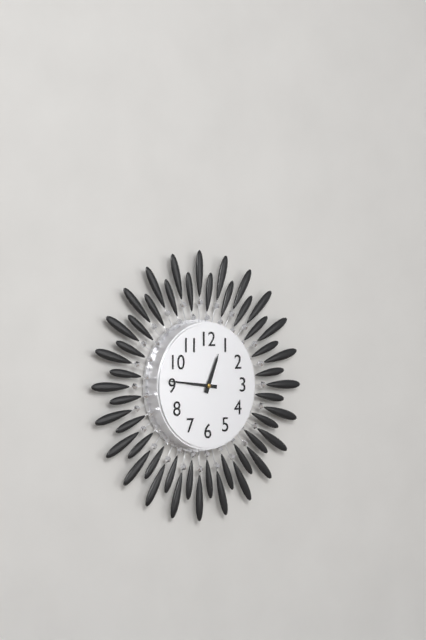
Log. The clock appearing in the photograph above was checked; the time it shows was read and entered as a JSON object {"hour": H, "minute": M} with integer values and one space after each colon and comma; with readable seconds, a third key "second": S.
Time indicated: {"hour": 12, "minute": 46}
